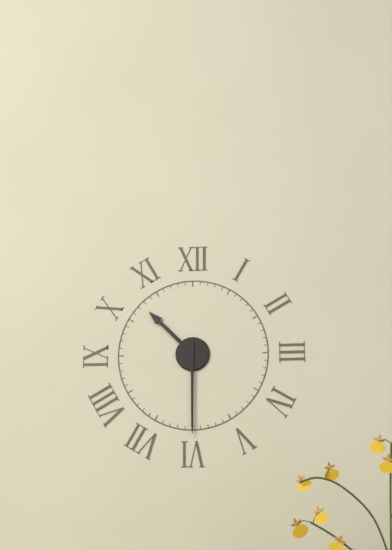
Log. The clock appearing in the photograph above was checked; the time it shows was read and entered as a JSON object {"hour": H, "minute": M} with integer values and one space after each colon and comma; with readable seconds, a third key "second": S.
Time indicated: {"hour": 10, "minute": 30}
